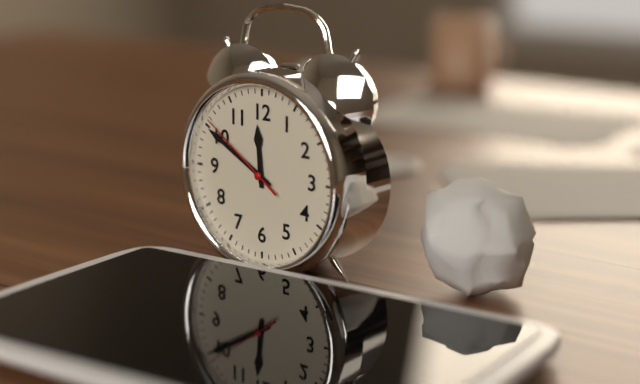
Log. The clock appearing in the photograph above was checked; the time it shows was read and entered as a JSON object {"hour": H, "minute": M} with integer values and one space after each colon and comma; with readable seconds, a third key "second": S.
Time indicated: {"hour": 11, "minute": 50, "second": 51}
